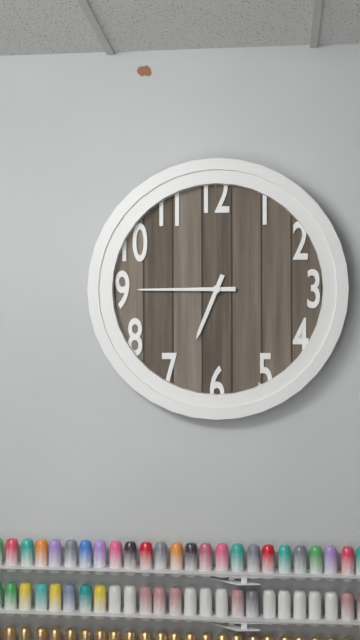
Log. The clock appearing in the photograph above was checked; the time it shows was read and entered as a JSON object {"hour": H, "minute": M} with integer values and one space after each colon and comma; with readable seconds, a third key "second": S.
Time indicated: {"hour": 6, "minute": 45}
